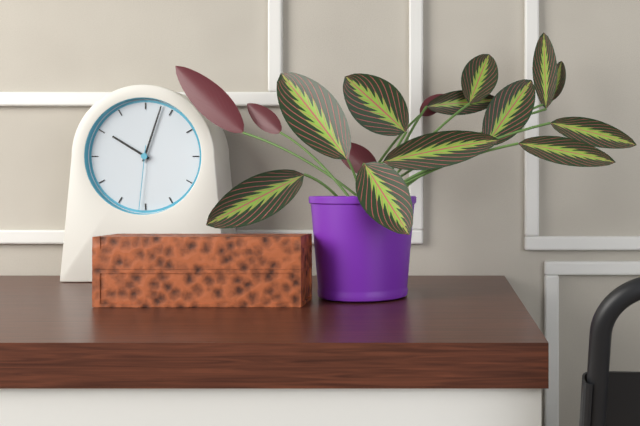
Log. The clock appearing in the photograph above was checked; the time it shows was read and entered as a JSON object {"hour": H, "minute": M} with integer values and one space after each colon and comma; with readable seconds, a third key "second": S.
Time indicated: {"hour": 10, "minute": 3, "second": 31}
